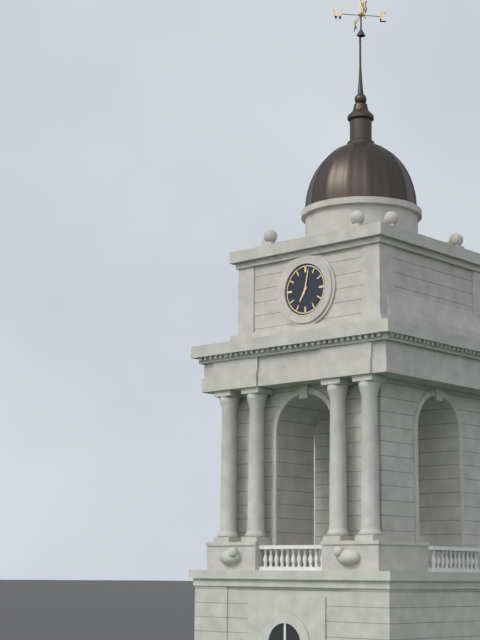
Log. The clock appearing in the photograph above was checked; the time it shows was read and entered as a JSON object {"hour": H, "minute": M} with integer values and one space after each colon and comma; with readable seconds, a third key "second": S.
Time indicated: {"hour": 7, "minute": 2}
